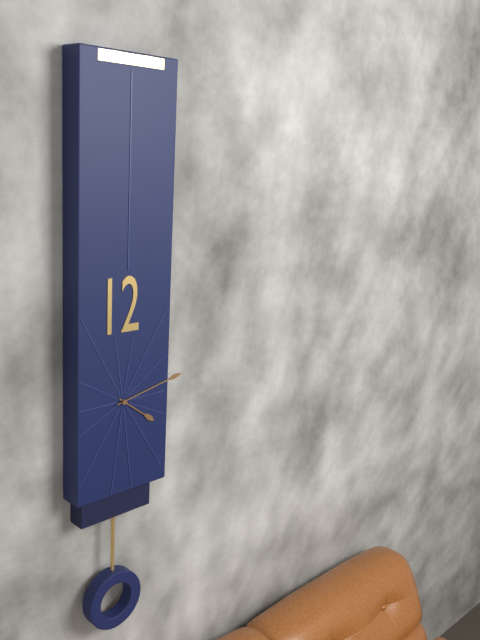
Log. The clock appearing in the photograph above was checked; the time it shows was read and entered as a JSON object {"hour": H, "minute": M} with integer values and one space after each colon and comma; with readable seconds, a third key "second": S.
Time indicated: {"hour": 4, "minute": 13}
